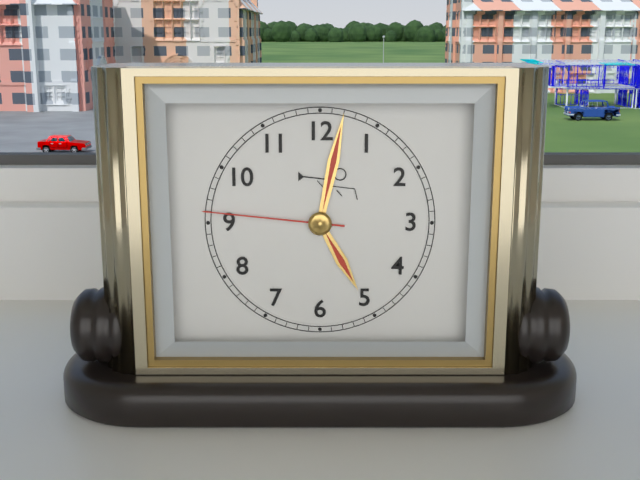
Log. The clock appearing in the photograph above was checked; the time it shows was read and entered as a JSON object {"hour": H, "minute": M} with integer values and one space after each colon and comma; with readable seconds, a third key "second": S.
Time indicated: {"hour": 5, "minute": 2, "second": 46}
